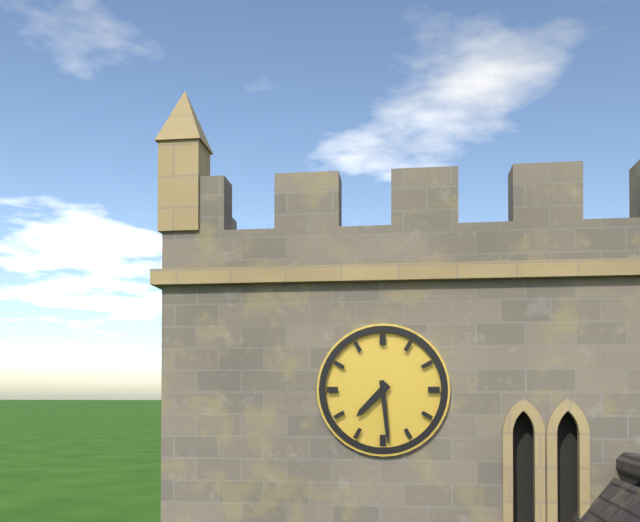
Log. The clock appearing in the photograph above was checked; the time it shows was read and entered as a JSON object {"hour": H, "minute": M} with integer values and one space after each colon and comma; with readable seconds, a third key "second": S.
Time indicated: {"hour": 7, "minute": 29}
